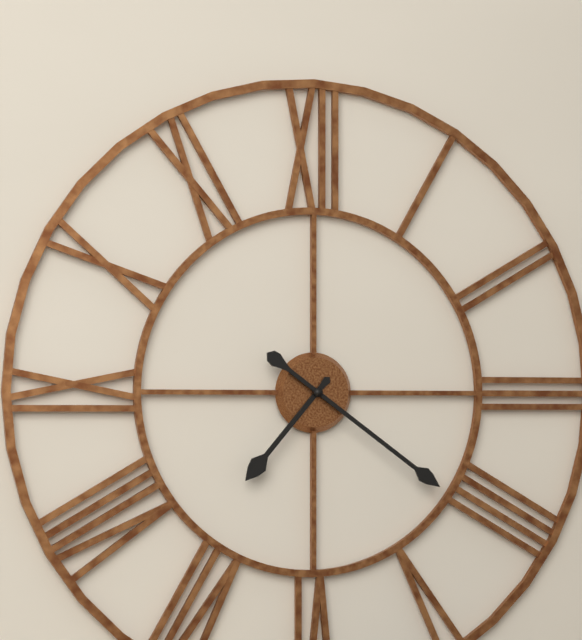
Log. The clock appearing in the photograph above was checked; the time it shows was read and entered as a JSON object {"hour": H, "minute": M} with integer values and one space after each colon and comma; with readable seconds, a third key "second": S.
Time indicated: {"hour": 7, "minute": 21}
